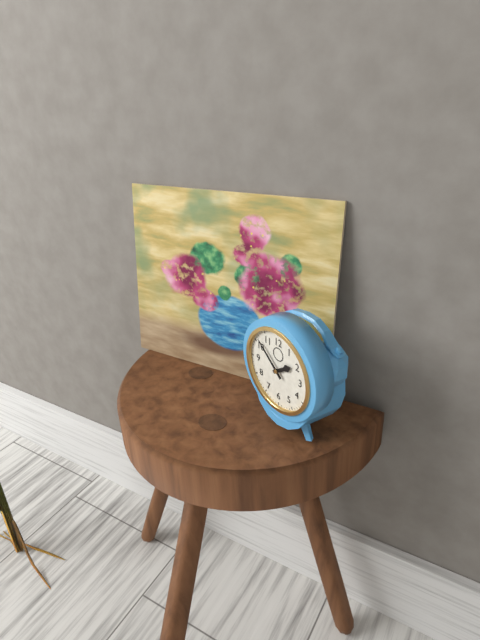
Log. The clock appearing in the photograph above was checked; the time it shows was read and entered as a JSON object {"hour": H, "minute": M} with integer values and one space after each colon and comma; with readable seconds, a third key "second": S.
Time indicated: {"hour": 1, "minute": 52}
